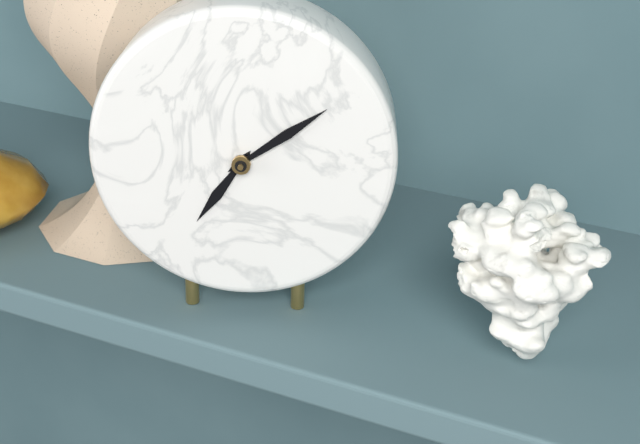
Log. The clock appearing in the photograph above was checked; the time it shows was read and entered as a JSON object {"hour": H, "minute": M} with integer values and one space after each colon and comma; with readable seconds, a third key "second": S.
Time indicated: {"hour": 7, "minute": 9}
